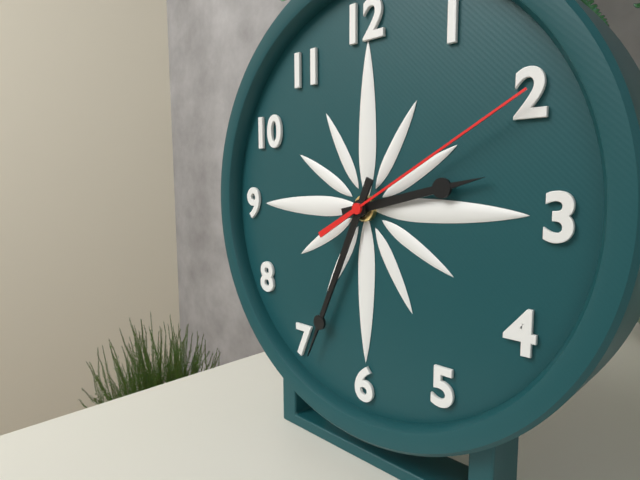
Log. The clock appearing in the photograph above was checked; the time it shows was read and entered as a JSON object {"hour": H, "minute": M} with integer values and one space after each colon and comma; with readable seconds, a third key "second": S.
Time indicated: {"hour": 2, "minute": 34, "second": 10}
